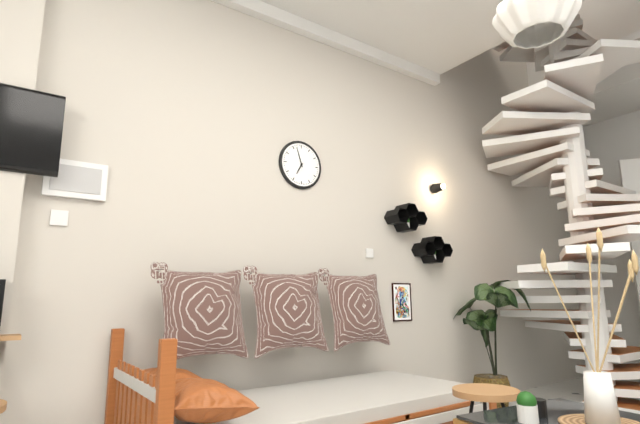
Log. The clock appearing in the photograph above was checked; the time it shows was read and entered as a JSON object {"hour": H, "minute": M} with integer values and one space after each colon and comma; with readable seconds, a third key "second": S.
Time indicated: {"hour": 6, "minute": 57}
